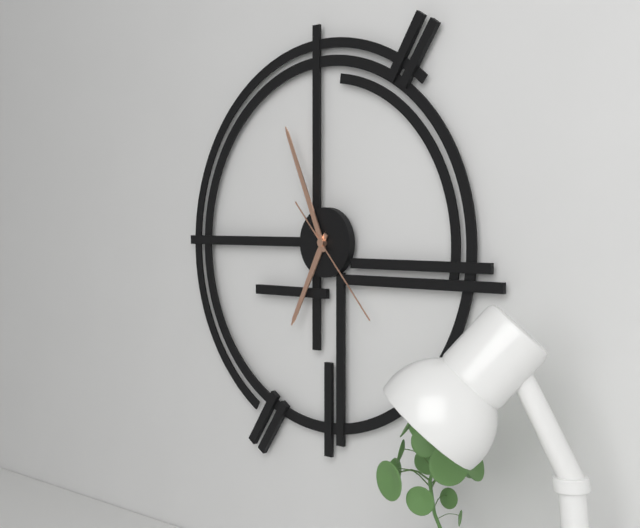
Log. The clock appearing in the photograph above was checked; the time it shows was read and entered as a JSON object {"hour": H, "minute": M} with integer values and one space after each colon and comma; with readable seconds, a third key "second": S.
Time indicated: {"hour": 6, "minute": 56, "second": 23}
